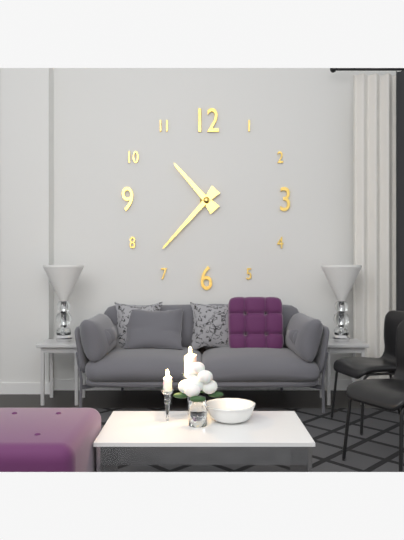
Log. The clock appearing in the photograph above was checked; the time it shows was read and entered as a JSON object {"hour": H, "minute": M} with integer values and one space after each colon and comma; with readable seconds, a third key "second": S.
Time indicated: {"hour": 10, "minute": 37}
